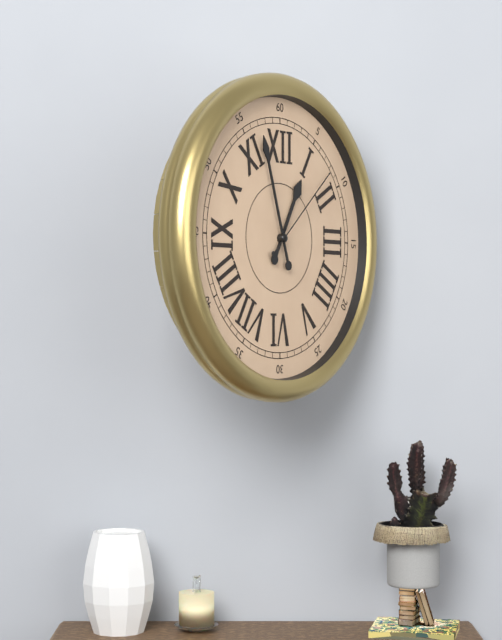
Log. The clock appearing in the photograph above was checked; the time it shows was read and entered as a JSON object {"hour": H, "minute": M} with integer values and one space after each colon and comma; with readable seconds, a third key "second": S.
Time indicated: {"hour": 12, "minute": 57, "second": 8}
